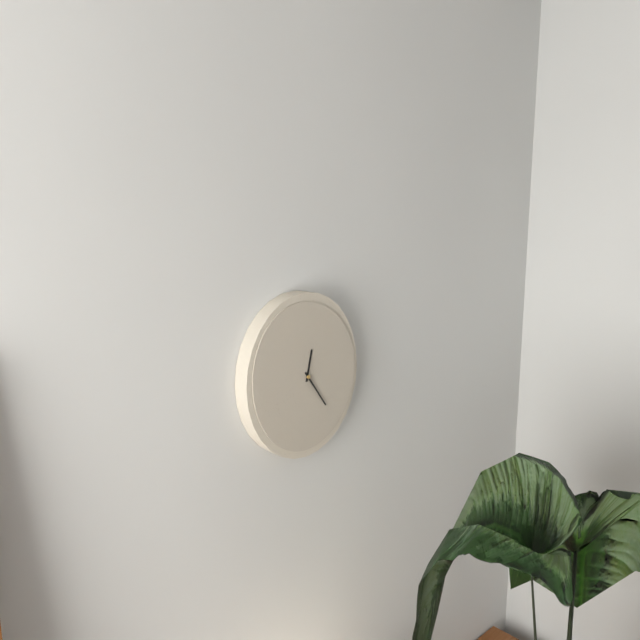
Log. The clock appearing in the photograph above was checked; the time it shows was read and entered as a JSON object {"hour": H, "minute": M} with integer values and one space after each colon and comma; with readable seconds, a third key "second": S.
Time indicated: {"hour": 12, "minute": 24}
